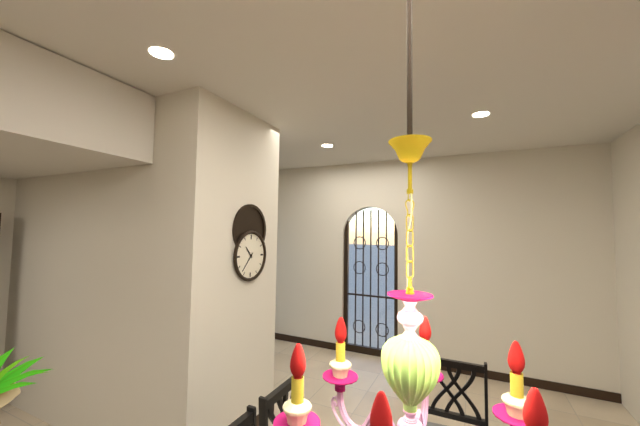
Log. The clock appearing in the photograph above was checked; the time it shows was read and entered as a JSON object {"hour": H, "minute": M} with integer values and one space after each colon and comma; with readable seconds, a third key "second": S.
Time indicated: {"hour": 10, "minute": 37}
